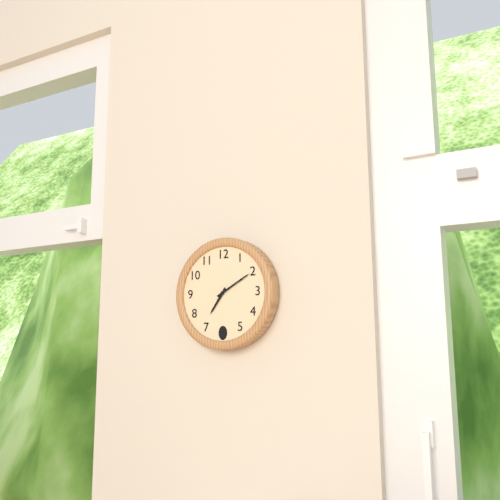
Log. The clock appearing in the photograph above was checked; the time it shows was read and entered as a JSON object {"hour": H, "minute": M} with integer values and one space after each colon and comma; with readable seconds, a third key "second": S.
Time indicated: {"hour": 7, "minute": 10}
